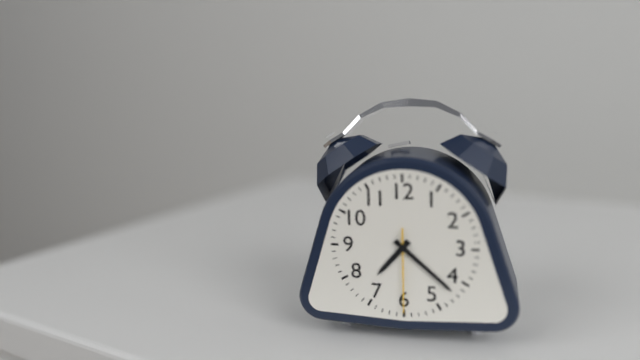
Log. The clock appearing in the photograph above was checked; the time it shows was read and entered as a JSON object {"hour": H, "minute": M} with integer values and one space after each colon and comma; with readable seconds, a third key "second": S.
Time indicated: {"hour": 7, "minute": 22, "second": 30}
